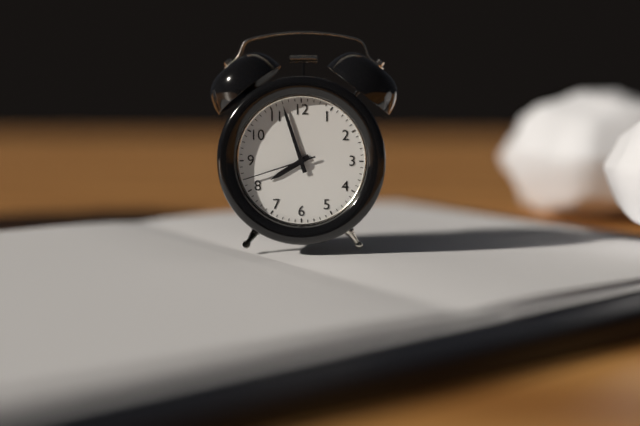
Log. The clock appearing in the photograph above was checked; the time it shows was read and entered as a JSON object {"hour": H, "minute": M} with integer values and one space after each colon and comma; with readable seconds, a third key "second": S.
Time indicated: {"hour": 7, "minute": 57, "second": 42}
